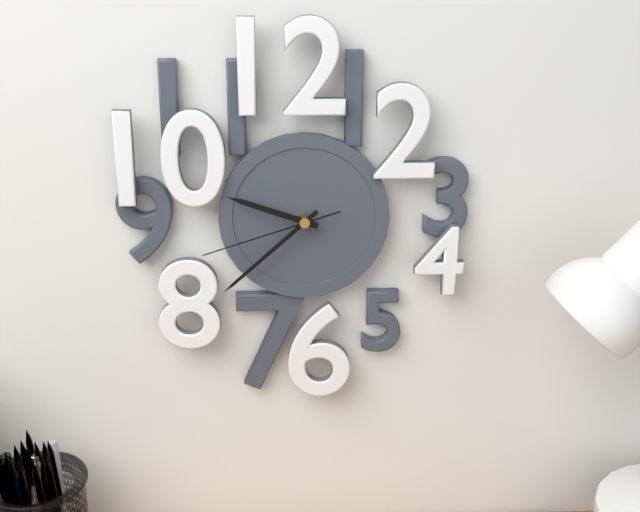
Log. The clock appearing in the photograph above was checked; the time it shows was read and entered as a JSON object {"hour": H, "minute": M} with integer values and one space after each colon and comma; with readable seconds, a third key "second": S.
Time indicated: {"hour": 9, "minute": 38, "second": 42}
